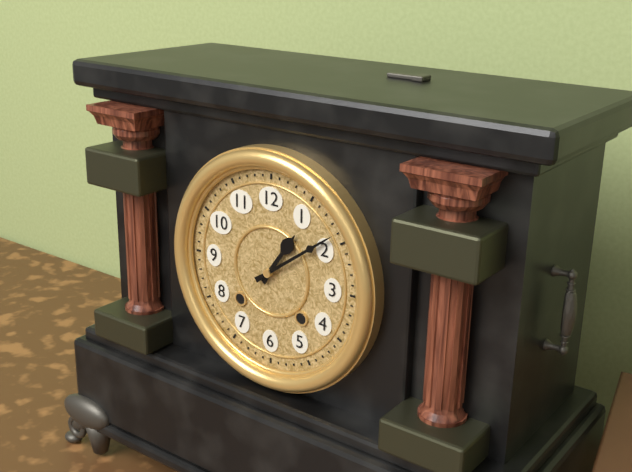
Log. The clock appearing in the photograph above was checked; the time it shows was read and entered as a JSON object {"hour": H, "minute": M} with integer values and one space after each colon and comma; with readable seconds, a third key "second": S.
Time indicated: {"hour": 1, "minute": 9}
